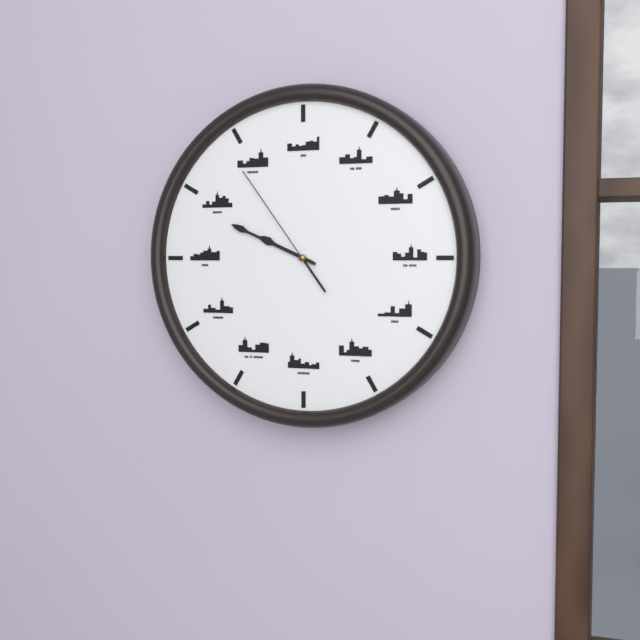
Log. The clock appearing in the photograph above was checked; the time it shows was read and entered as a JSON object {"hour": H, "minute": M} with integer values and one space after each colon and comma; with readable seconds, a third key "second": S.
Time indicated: {"hour": 9, "minute": 49, "second": 54}
